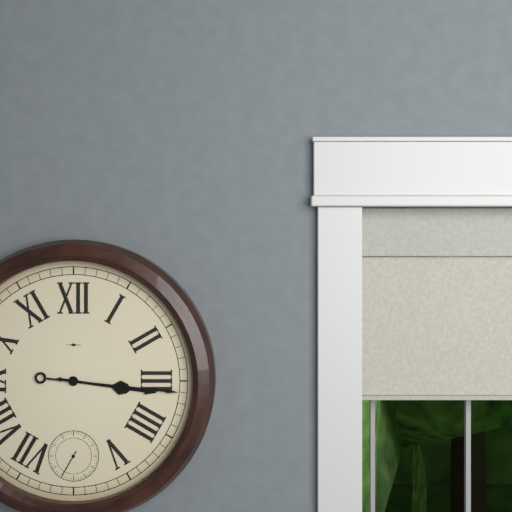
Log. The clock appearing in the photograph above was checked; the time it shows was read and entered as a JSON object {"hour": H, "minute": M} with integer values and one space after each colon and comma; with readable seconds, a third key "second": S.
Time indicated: {"hour": 3, "minute": 16}
